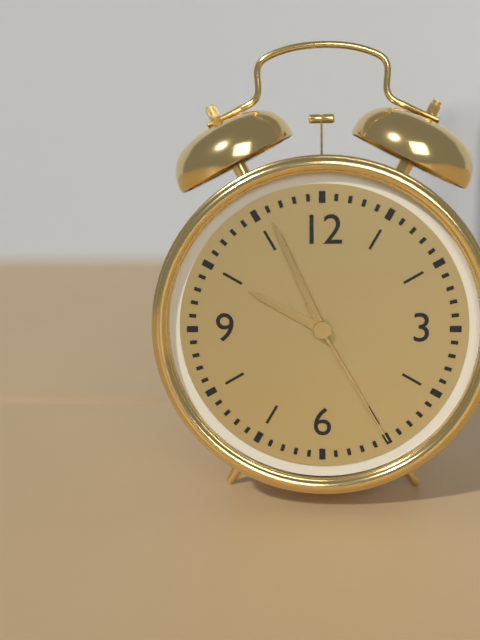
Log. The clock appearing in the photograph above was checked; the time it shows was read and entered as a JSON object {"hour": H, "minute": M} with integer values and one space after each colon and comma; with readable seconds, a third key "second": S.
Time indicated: {"hour": 9, "minute": 56, "second": 25}
